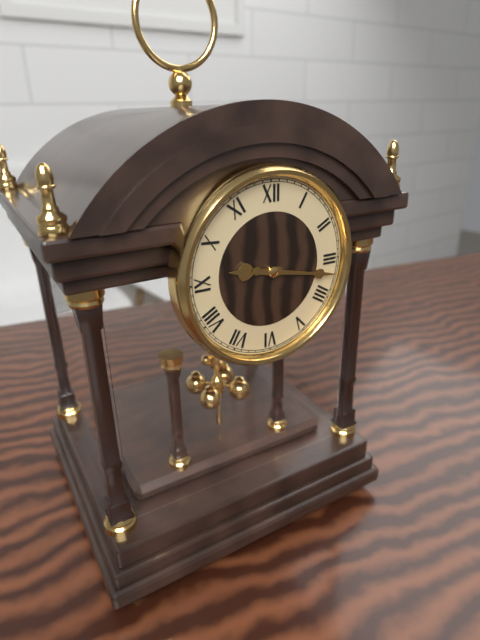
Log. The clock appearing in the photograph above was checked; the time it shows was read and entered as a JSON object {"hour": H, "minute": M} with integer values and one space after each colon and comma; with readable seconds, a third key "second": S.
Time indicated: {"hour": 9, "minute": 17}
